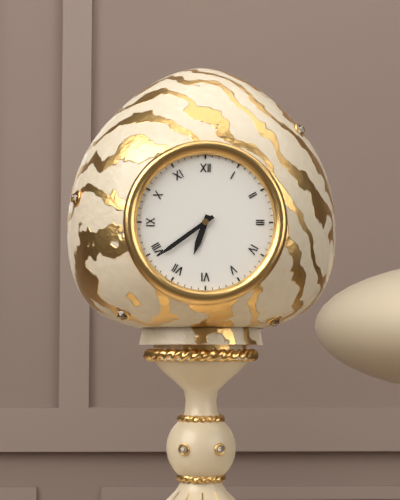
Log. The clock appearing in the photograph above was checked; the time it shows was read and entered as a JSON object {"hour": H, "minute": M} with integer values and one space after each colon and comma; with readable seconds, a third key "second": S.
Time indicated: {"hour": 6, "minute": 39}
